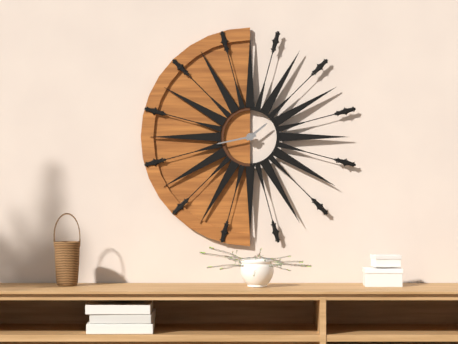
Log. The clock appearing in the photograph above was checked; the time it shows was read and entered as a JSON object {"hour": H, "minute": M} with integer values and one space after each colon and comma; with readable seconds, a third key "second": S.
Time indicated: {"hour": 1, "minute": 43}
